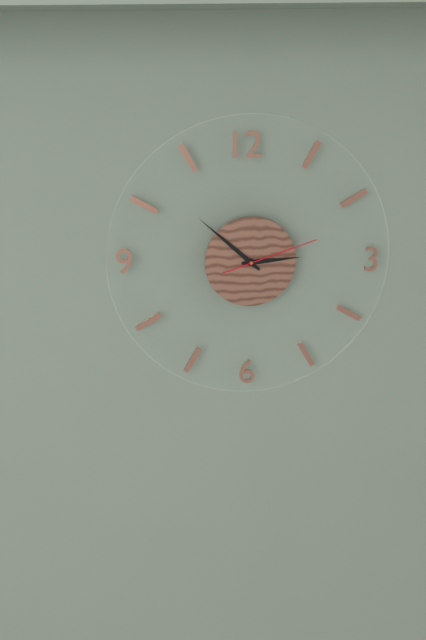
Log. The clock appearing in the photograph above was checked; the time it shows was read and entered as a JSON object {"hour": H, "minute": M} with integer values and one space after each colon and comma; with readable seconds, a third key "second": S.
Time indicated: {"hour": 2, "minute": 52, "second": 12}
